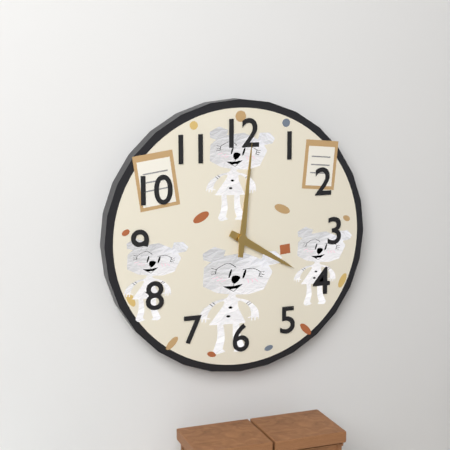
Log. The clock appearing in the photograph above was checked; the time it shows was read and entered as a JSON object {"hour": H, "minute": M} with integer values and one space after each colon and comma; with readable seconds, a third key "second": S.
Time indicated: {"hour": 4, "minute": 1}
